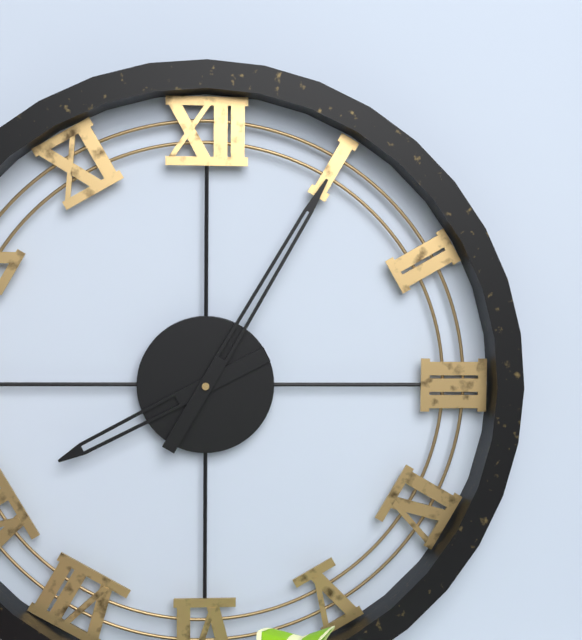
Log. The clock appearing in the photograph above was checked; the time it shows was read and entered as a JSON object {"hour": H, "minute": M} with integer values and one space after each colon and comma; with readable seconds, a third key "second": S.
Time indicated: {"hour": 8, "minute": 5}
